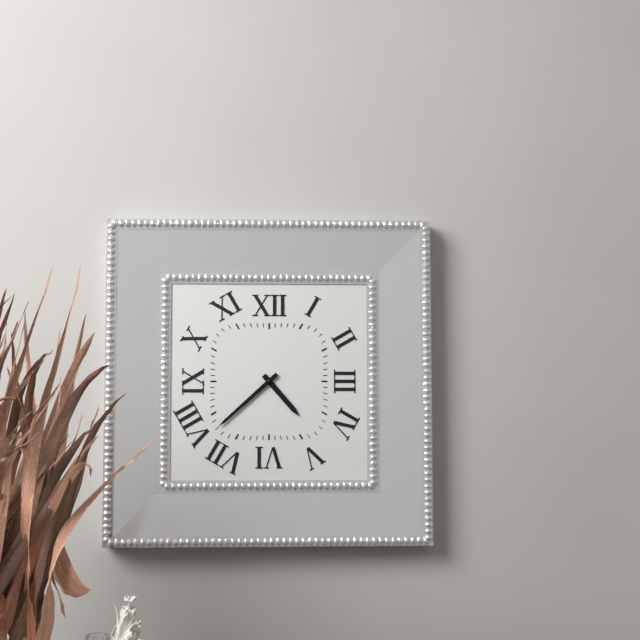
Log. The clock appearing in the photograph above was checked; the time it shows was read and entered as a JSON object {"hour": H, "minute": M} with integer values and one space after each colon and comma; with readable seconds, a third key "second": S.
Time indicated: {"hour": 4, "minute": 38}
